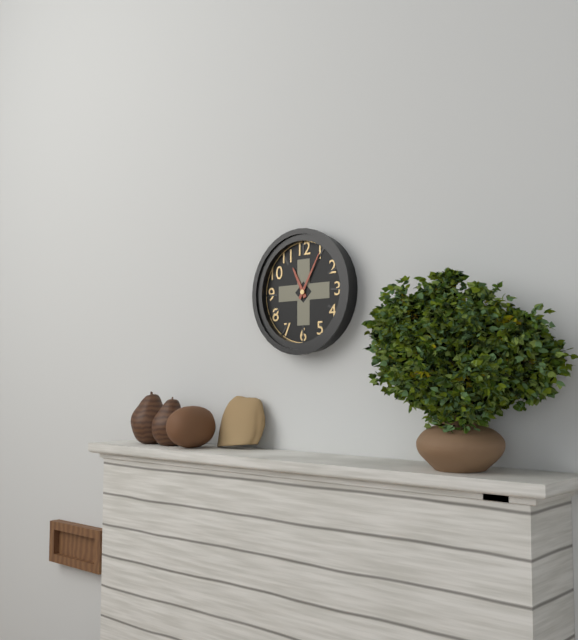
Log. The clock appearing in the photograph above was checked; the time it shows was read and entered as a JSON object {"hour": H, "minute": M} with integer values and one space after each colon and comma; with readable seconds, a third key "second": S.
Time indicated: {"hour": 11, "minute": 5}
